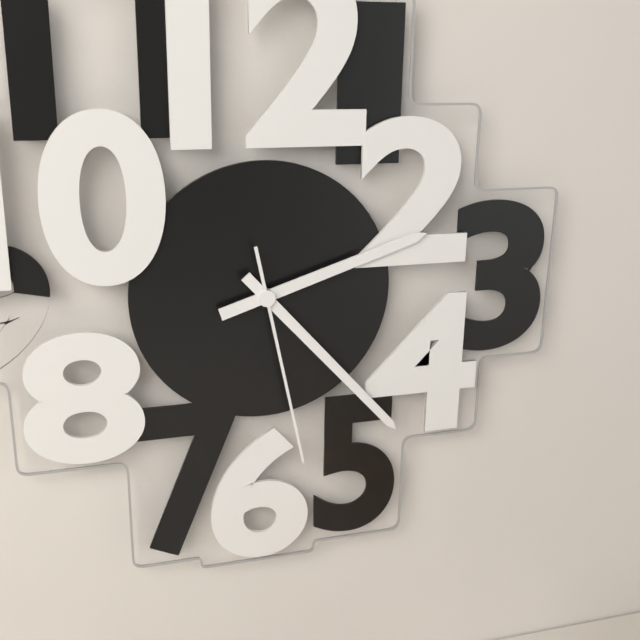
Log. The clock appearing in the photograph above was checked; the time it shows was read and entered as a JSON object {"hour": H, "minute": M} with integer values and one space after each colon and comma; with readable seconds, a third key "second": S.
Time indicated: {"hour": 2, "minute": 23, "second": 28}
